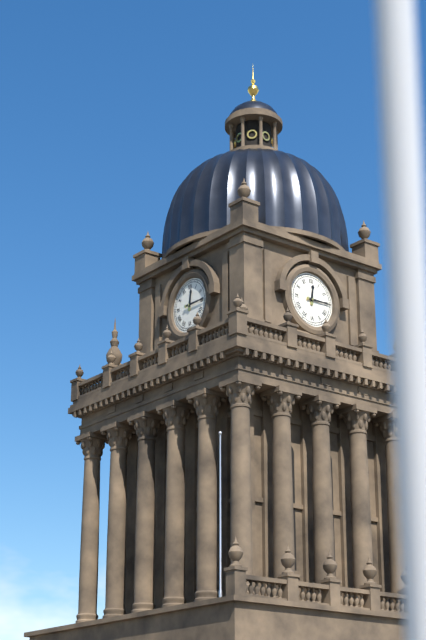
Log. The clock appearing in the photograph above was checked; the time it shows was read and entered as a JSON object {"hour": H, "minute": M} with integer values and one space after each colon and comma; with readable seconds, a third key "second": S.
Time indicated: {"hour": 12, "minute": 15}
